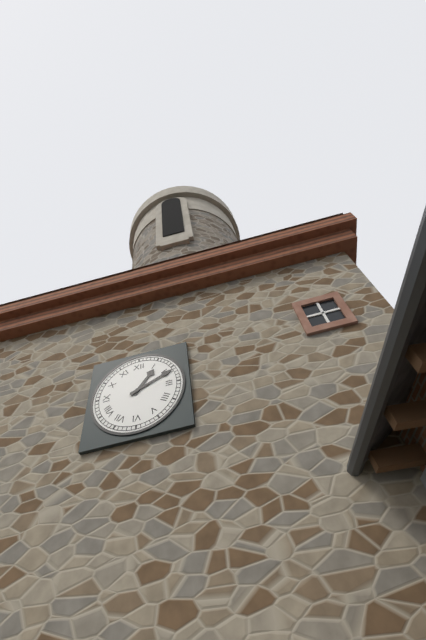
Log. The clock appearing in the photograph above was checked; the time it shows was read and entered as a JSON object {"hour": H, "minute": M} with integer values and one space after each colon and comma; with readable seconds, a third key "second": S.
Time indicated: {"hour": 1, "minute": 11}
